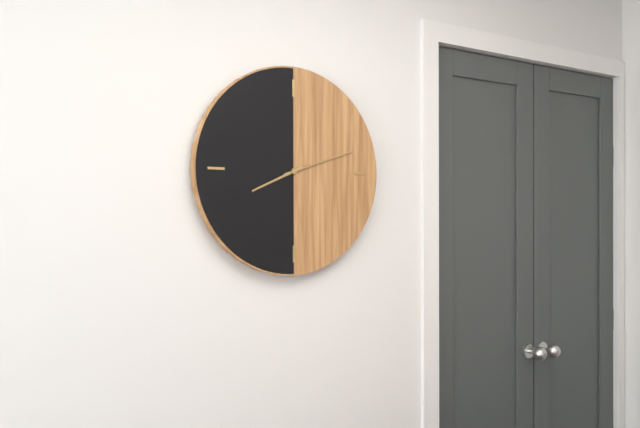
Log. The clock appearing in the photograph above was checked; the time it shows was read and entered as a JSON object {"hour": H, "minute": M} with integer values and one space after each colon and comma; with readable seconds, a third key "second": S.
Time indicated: {"hour": 8, "minute": 12}
